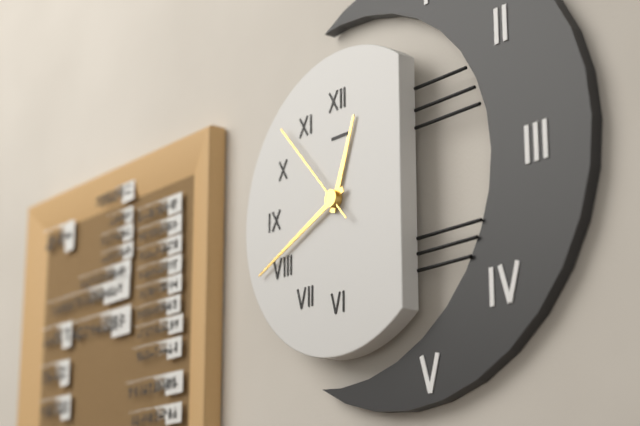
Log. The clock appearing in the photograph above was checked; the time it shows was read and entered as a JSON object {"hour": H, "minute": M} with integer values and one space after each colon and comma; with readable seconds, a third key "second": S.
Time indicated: {"hour": 12, "minute": 41, "second": 53}
